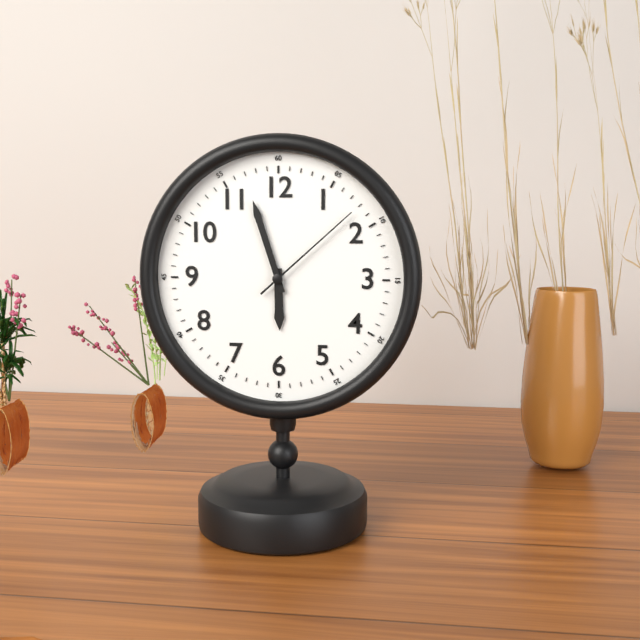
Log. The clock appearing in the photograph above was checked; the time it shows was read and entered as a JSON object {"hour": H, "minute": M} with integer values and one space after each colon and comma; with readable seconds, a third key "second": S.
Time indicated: {"hour": 5, "minute": 57, "second": 8}
